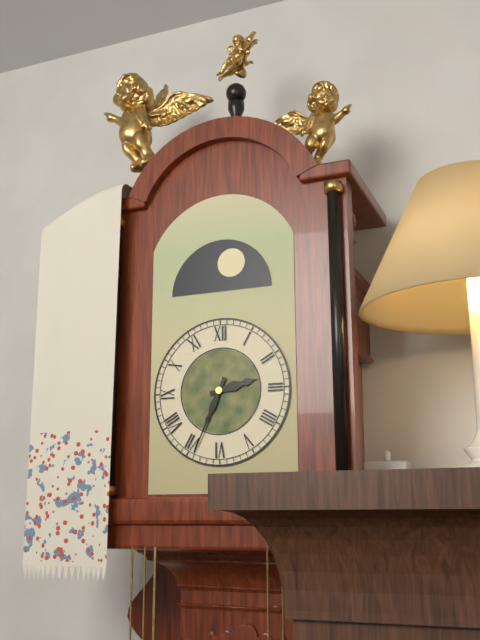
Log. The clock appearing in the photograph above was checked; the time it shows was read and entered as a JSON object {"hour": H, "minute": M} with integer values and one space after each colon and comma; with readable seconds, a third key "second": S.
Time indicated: {"hour": 2, "minute": 34}
